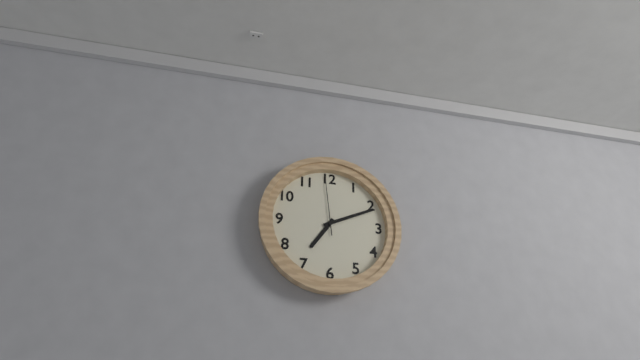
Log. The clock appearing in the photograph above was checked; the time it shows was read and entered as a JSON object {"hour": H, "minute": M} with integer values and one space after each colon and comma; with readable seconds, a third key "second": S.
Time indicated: {"hour": 7, "minute": 11, "second": 59}
